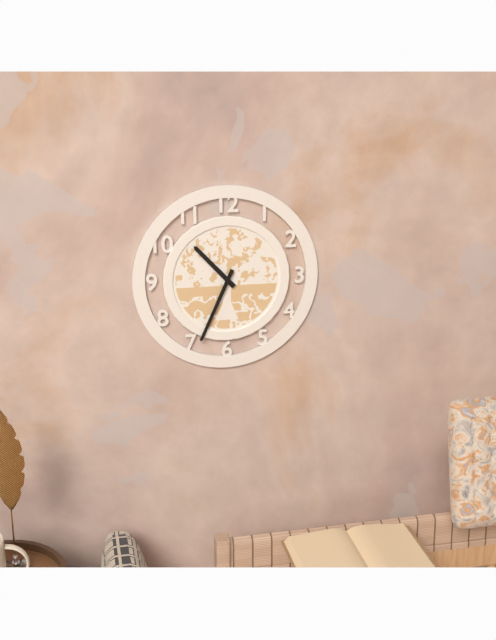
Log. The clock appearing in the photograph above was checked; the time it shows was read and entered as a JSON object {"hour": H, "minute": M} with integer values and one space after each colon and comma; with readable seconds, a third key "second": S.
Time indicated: {"hour": 10, "minute": 34}
